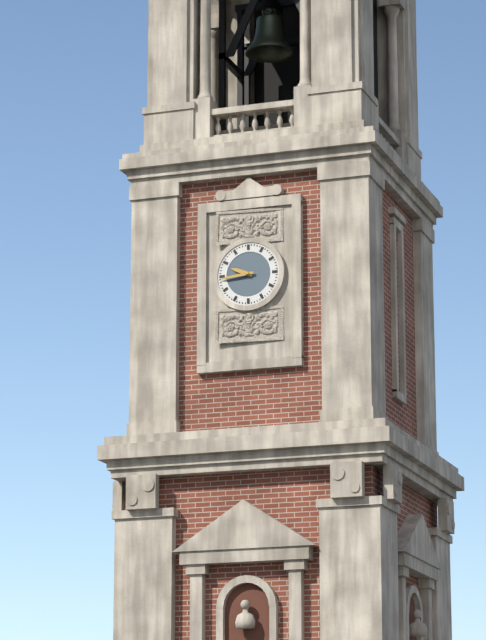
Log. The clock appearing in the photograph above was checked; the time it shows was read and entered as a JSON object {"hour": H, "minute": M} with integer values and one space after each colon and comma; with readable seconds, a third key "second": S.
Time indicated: {"hour": 9, "minute": 44}
